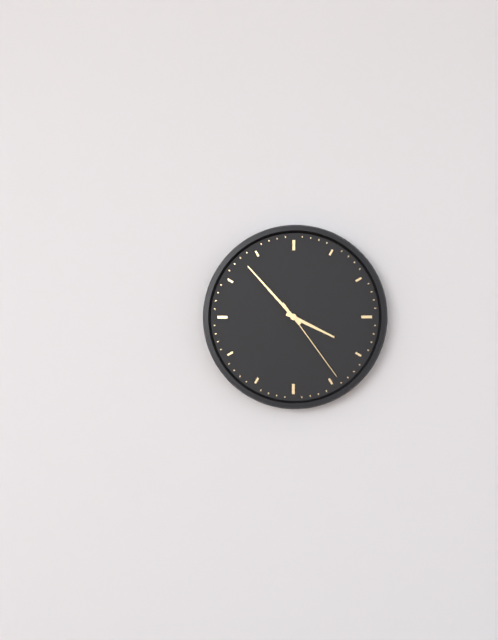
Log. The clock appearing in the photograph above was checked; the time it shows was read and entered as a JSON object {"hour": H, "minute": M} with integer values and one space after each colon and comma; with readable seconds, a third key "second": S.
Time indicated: {"hour": 3, "minute": 53, "second": 24}
